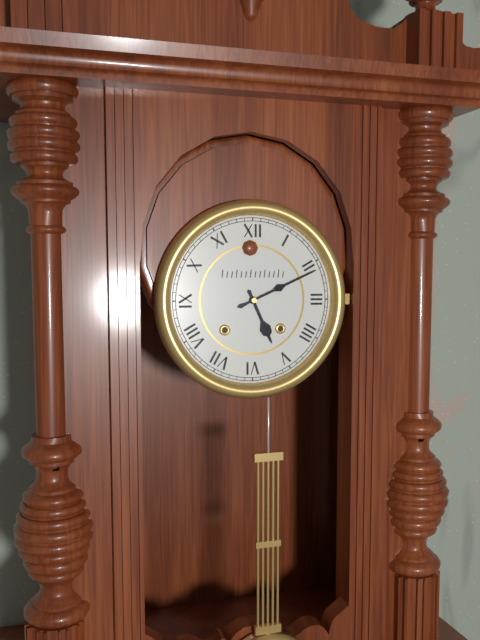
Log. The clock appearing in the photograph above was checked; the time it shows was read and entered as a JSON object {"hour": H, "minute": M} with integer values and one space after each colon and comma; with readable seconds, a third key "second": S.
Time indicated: {"hour": 5, "minute": 11}
